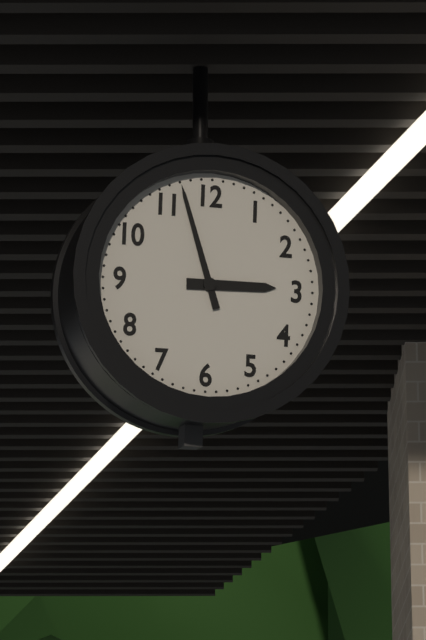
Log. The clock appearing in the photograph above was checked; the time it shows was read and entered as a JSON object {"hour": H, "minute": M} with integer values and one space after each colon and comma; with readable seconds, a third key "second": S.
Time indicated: {"hour": 2, "minute": 57}
